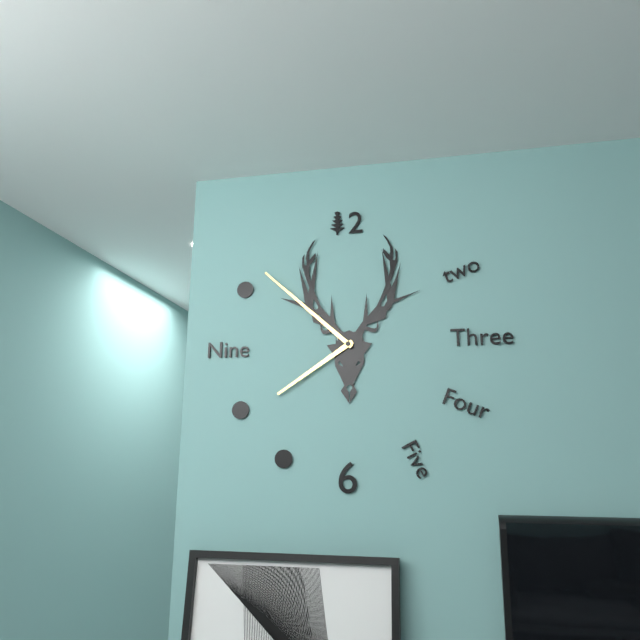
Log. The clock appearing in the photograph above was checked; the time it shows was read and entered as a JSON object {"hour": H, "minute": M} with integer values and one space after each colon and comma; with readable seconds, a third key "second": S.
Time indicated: {"hour": 7, "minute": 52}
